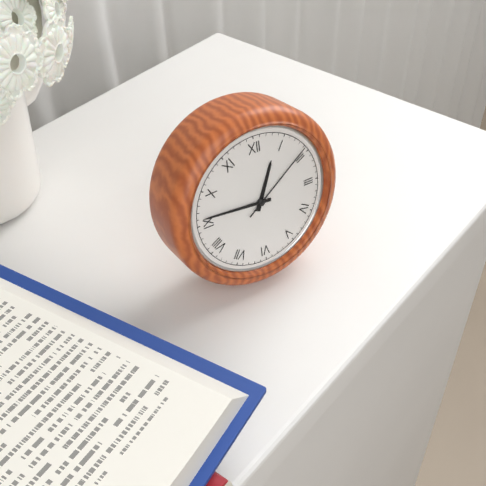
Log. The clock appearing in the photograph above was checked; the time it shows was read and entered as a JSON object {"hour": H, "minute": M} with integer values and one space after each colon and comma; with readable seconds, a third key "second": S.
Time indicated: {"hour": 12, "minute": 46, "second": 9}
